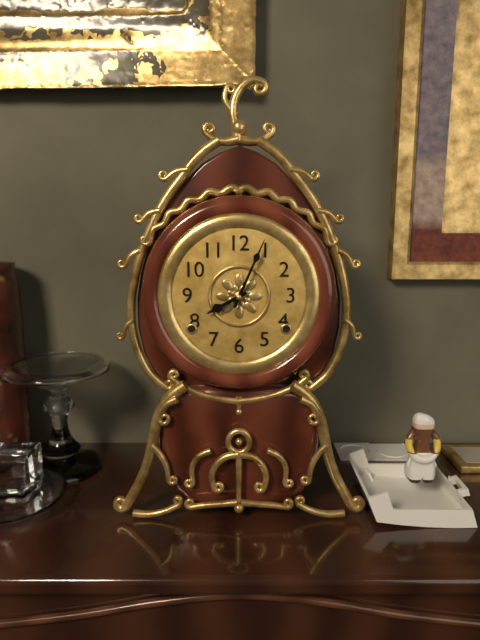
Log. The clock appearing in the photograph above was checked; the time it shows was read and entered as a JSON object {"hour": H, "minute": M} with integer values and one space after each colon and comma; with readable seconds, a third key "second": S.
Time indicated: {"hour": 8, "minute": 4}
